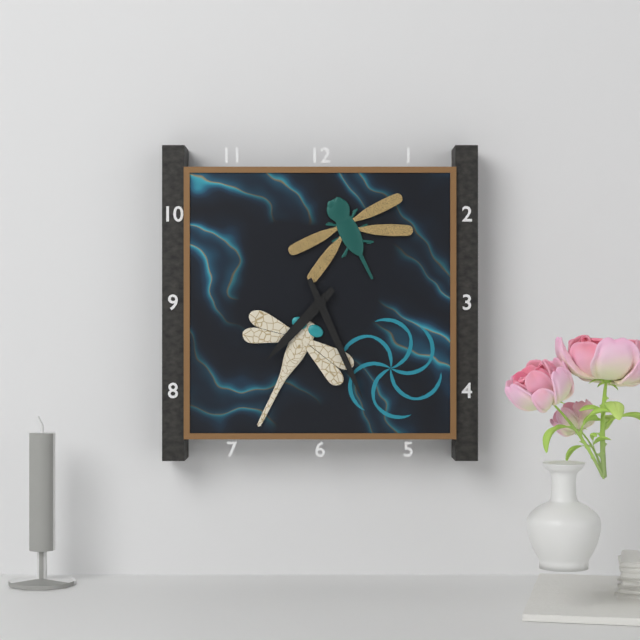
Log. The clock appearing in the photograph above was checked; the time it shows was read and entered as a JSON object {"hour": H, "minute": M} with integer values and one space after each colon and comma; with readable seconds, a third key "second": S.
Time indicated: {"hour": 7, "minute": 26}
